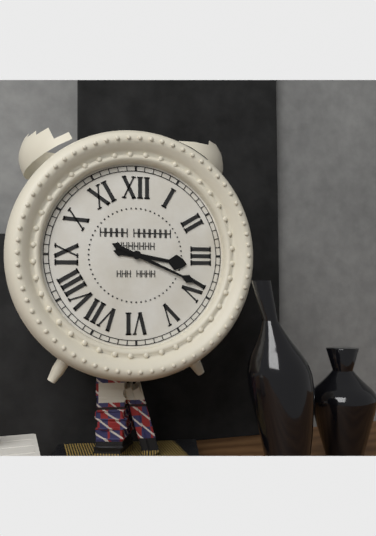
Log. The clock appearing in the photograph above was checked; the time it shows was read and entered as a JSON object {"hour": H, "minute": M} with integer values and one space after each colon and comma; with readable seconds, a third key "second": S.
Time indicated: {"hour": 3, "minute": 19}
